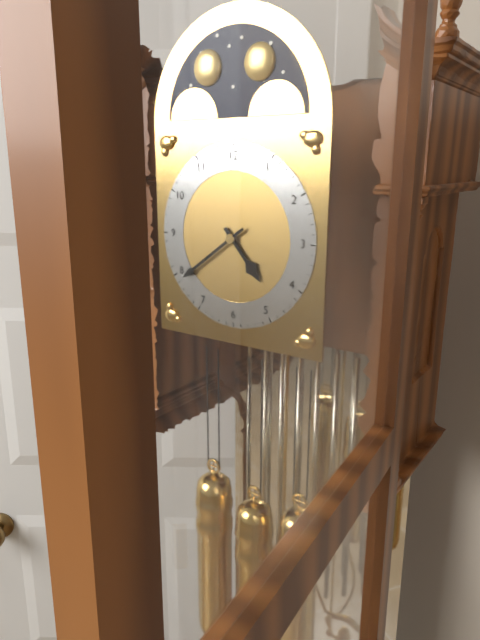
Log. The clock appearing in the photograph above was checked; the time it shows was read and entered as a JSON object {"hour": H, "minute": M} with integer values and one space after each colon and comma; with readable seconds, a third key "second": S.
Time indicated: {"hour": 4, "minute": 39}
